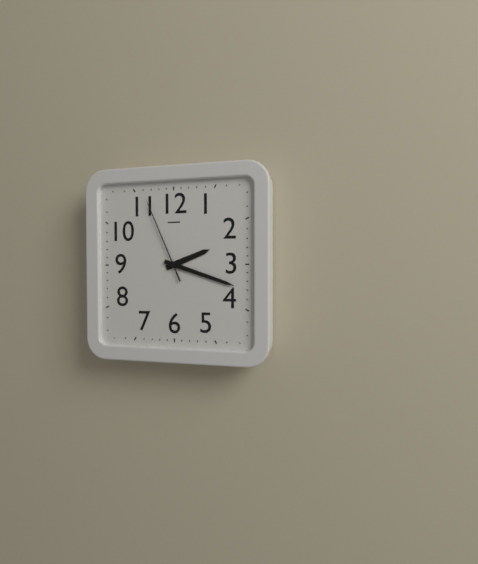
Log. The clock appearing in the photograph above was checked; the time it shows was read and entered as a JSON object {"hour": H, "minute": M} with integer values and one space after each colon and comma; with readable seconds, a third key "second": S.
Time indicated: {"hour": 2, "minute": 18, "second": 56}
